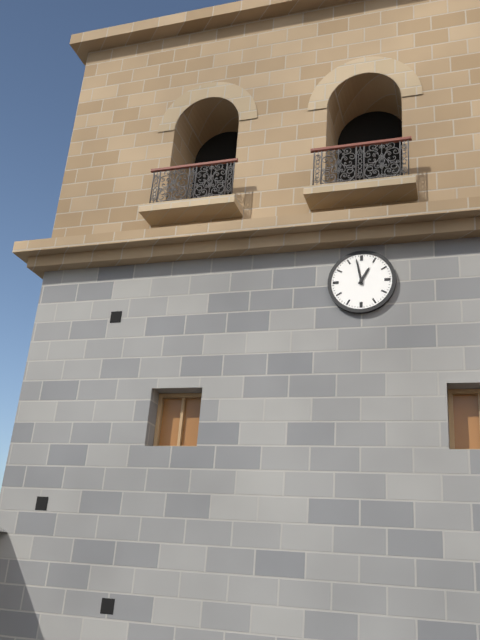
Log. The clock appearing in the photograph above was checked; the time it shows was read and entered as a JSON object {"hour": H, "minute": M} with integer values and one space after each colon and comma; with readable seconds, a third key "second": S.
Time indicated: {"hour": 12, "minute": 58}
